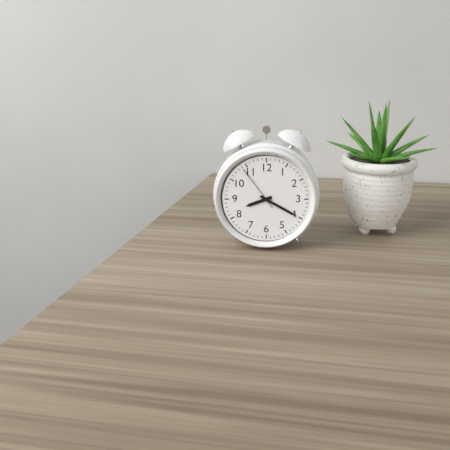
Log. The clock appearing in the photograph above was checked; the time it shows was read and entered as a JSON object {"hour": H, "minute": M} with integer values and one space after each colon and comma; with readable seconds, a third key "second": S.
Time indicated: {"hour": 8, "minute": 20}
